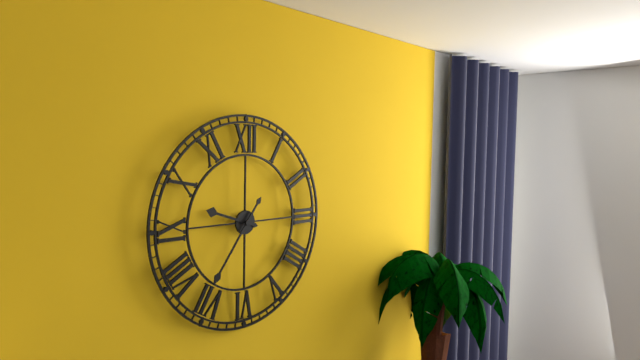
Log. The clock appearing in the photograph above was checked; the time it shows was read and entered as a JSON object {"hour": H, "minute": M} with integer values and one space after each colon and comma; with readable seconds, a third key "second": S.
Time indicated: {"hour": 9, "minute": 36}
